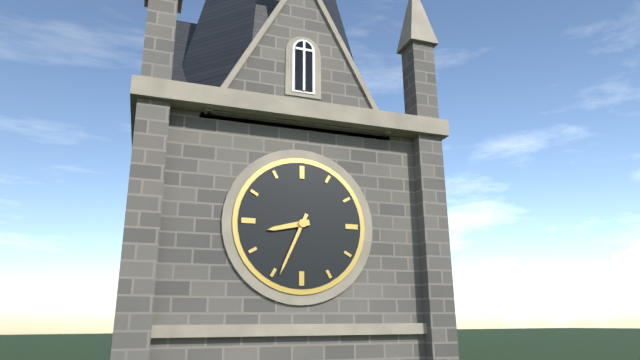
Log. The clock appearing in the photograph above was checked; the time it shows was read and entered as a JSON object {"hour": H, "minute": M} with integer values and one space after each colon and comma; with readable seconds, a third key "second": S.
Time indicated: {"hour": 8, "minute": 34}
